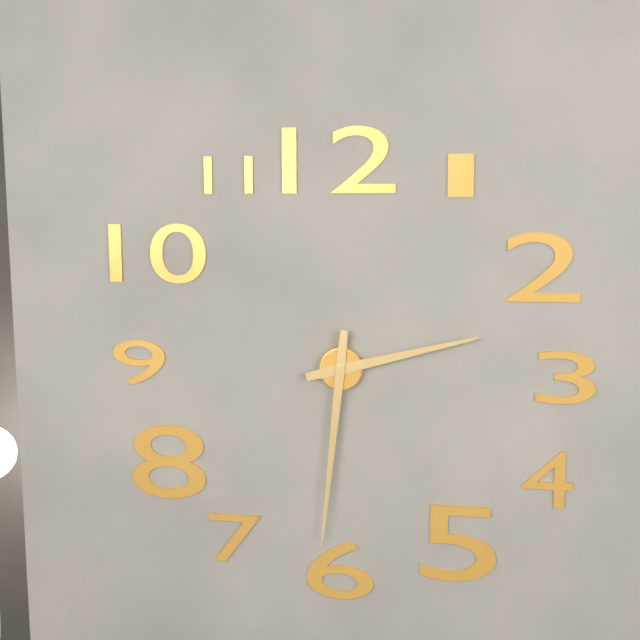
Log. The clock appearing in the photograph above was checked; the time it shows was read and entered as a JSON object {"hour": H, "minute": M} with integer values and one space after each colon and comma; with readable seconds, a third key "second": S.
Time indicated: {"hour": 2, "minute": 31}
